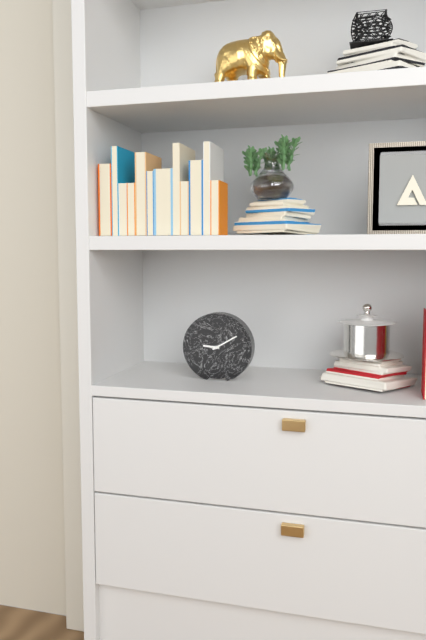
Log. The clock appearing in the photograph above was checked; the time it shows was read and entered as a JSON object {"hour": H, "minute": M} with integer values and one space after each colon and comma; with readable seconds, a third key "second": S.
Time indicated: {"hour": 9, "minute": 10}
